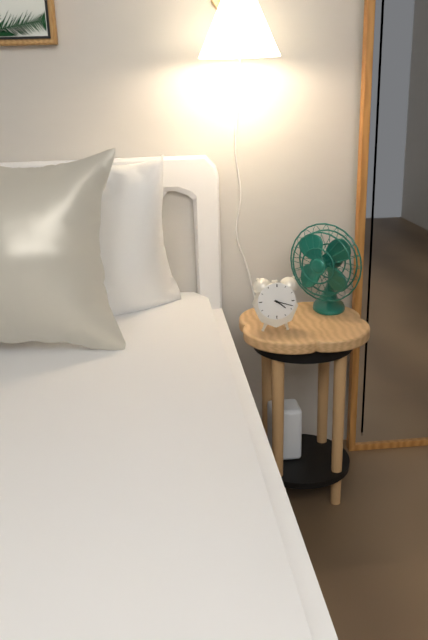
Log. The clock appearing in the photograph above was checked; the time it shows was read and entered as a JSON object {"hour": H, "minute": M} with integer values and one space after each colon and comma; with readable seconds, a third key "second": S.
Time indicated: {"hour": 4, "minute": 18}
